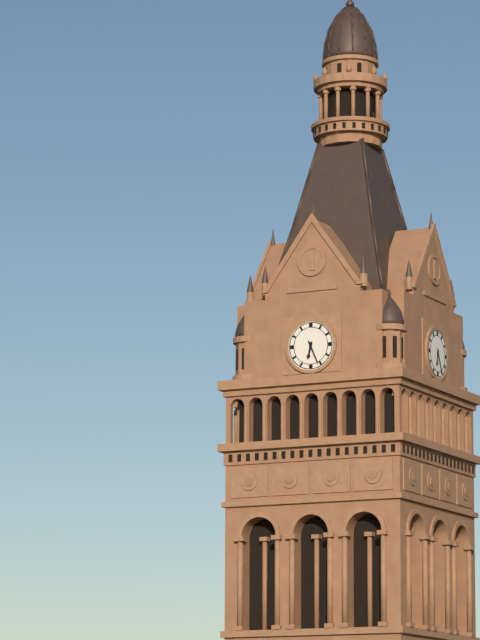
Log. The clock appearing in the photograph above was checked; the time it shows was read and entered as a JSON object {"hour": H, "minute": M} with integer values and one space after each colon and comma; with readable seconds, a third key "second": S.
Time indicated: {"hour": 6, "minute": 26}
